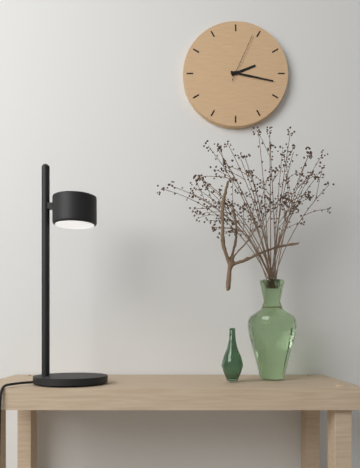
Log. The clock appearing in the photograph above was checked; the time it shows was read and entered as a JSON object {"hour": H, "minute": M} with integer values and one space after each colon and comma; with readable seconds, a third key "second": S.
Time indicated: {"hour": 2, "minute": 17, "second": 4}
